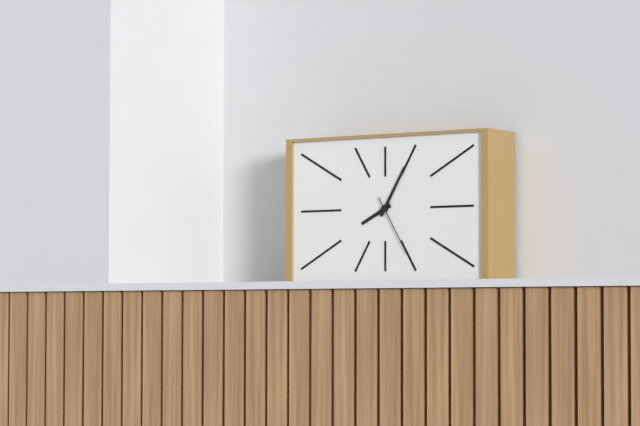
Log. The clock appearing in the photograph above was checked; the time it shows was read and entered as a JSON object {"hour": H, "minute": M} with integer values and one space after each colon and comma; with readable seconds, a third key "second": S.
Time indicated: {"hour": 8, "minute": 5, "second": 25}
